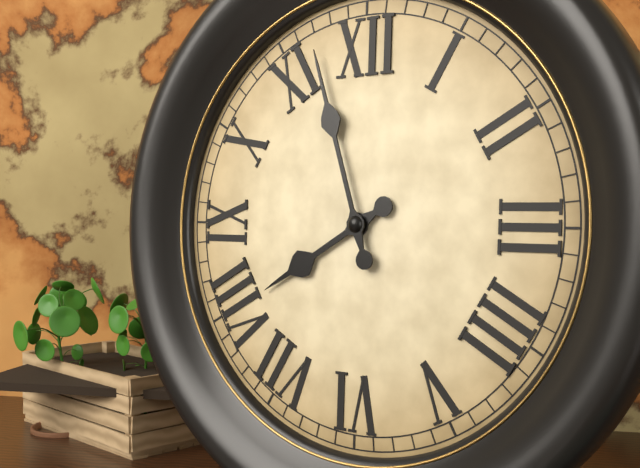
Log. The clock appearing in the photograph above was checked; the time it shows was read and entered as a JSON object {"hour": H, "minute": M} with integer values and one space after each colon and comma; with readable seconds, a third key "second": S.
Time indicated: {"hour": 7, "minute": 57}
